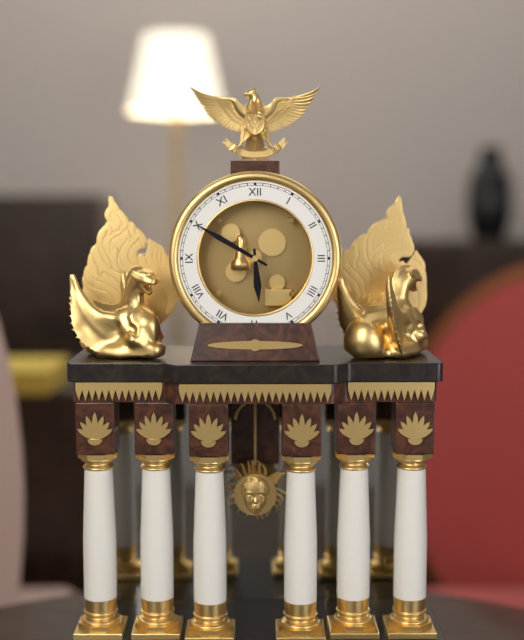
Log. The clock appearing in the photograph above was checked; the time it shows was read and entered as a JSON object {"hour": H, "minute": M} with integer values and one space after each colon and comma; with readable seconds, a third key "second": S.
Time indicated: {"hour": 5, "minute": 50}
